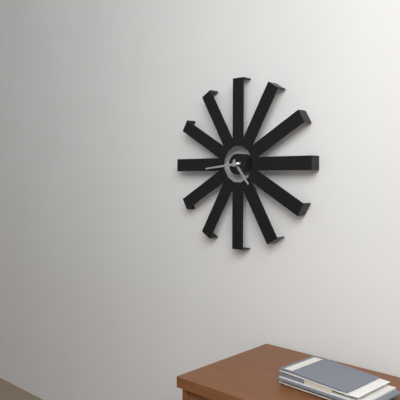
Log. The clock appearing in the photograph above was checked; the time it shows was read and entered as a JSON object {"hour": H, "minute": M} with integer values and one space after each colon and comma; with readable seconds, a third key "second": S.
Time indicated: {"hour": 4, "minute": 44}
